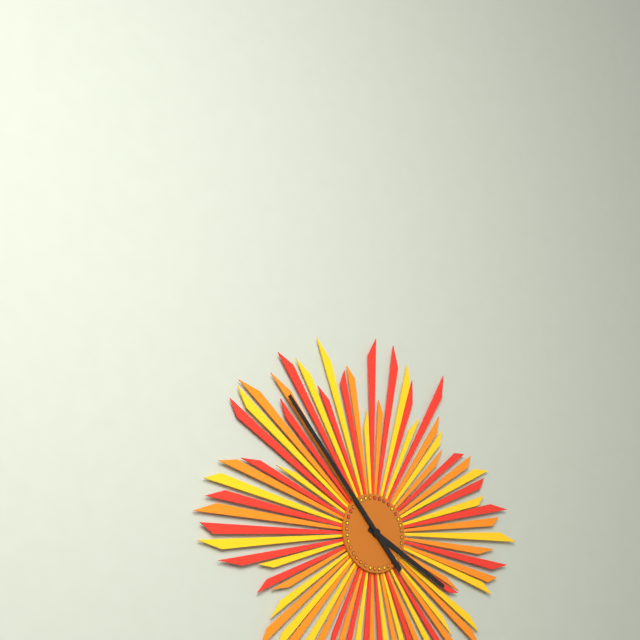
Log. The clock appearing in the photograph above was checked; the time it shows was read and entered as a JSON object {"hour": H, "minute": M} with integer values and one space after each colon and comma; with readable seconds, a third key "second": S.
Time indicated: {"hour": 3, "minute": 53}
